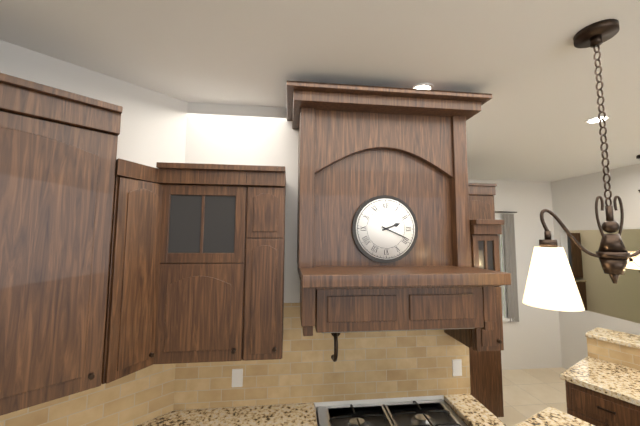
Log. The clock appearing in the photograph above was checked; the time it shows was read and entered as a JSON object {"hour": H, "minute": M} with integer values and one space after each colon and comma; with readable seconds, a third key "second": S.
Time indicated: {"hour": 2, "minute": 19}
